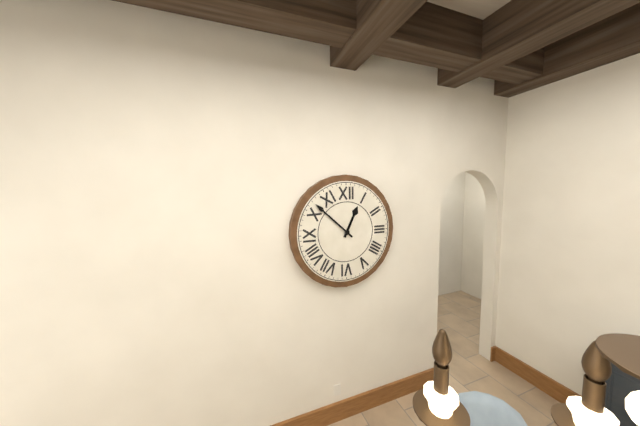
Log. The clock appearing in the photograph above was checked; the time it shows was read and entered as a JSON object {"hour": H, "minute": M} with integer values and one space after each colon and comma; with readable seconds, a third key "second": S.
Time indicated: {"hour": 12, "minute": 52}
